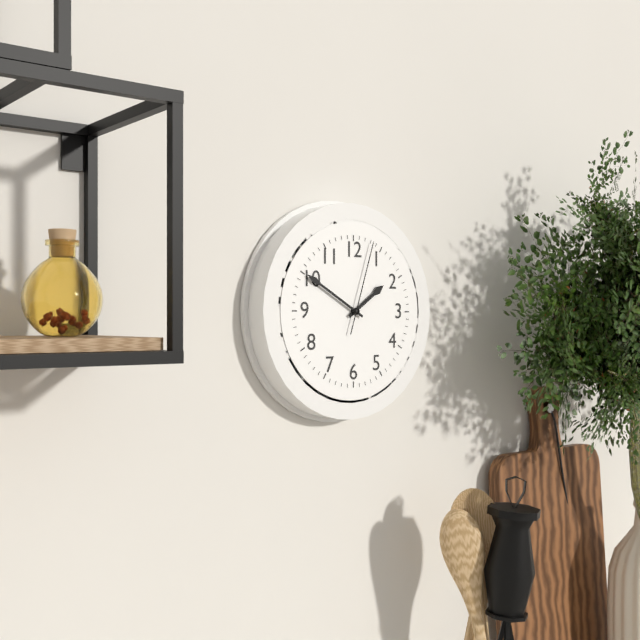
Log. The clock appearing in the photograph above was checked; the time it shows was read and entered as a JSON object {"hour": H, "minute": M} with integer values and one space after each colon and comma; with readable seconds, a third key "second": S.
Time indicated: {"hour": 1, "minute": 50, "second": 3}
